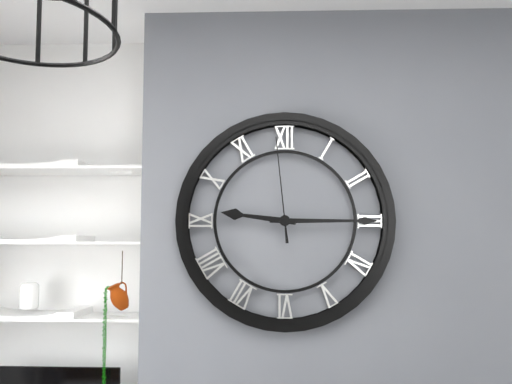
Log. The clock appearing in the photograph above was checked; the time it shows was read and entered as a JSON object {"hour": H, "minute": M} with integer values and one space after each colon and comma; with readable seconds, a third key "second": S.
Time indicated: {"hour": 9, "minute": 15, "second": 59}
